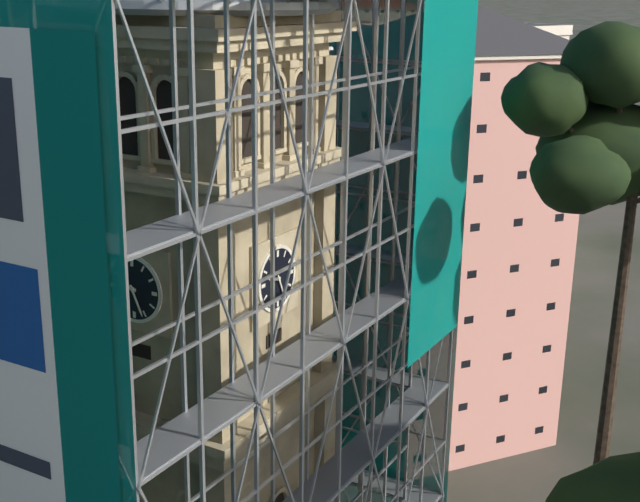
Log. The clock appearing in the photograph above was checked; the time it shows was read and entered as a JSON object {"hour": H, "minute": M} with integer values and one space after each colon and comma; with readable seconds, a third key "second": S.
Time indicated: {"hour": 9, "minute": 26}
